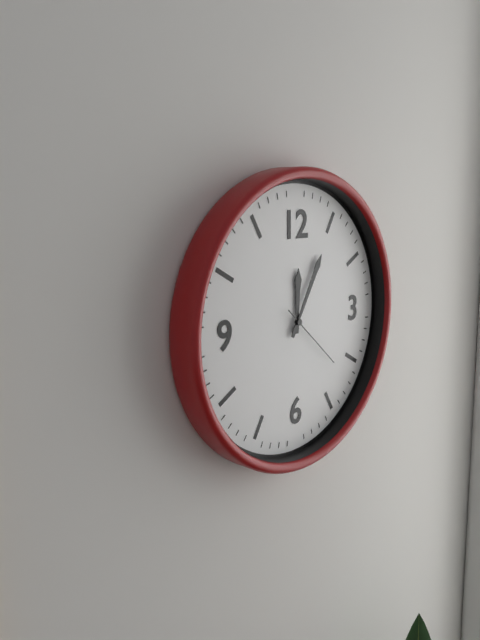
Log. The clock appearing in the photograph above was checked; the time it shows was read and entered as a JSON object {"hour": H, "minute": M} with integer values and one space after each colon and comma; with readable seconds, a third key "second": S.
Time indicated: {"hour": 12, "minute": 5, "second": 22}
